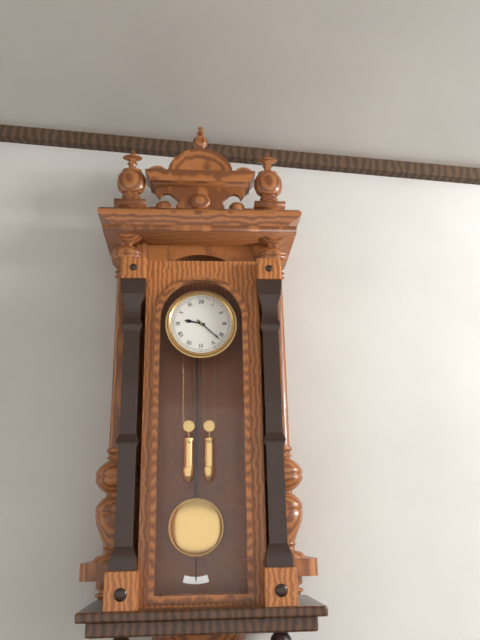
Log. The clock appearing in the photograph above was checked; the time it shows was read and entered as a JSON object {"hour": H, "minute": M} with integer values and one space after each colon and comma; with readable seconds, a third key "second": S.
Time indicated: {"hour": 9, "minute": 22}
